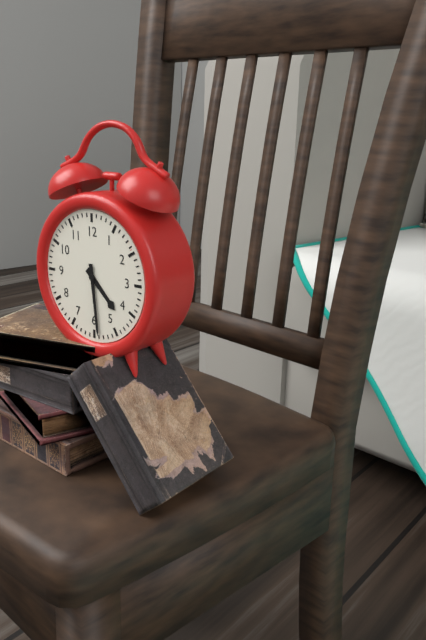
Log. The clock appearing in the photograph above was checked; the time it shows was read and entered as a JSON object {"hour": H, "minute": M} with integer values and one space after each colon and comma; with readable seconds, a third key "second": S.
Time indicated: {"hour": 4, "minute": 29}
